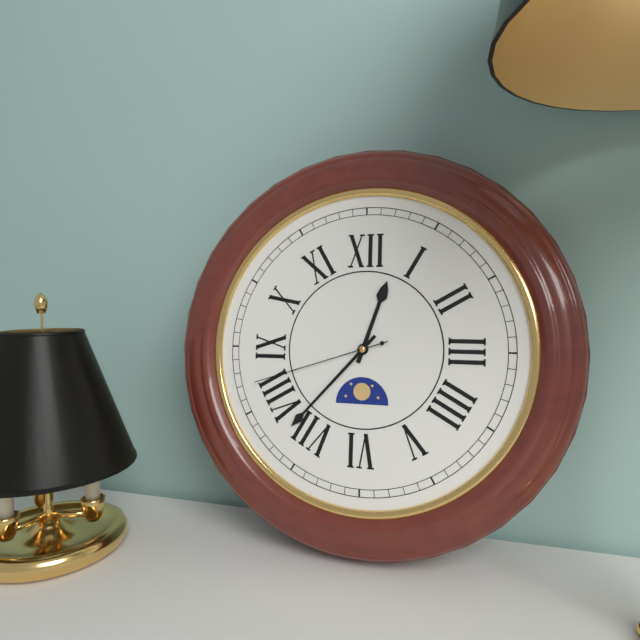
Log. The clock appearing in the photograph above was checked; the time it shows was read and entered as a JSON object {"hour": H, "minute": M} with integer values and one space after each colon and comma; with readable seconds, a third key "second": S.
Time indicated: {"hour": 12, "minute": 37, "second": 42}
